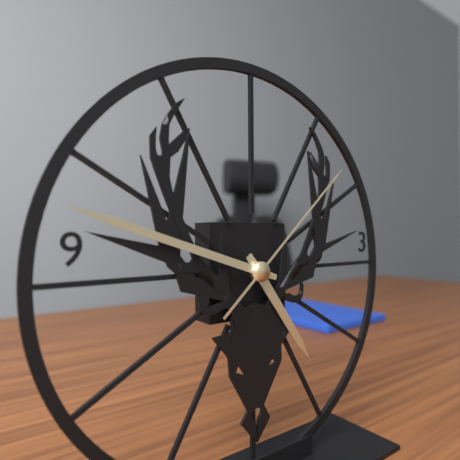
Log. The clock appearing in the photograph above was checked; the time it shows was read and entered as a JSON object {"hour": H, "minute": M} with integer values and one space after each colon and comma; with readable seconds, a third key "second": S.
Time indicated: {"hour": 4, "minute": 48, "second": 8}
